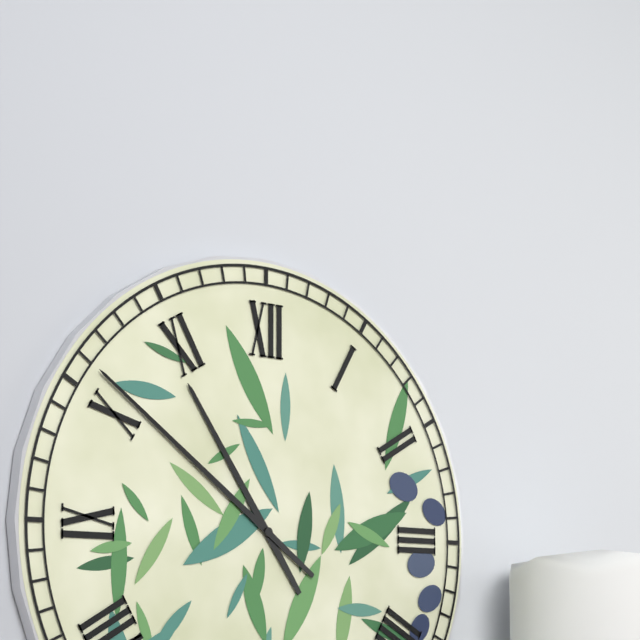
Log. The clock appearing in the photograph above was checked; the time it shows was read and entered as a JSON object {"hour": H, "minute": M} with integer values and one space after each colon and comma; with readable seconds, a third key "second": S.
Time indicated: {"hour": 10, "minute": 51}
